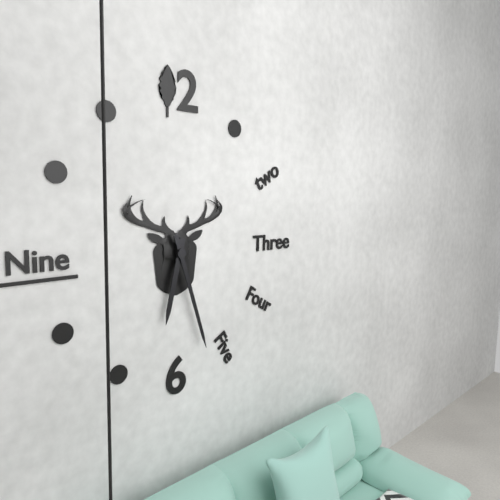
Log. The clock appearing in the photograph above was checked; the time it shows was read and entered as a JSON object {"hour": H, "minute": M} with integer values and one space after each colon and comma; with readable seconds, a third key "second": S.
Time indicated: {"hour": 6, "minute": 27}
